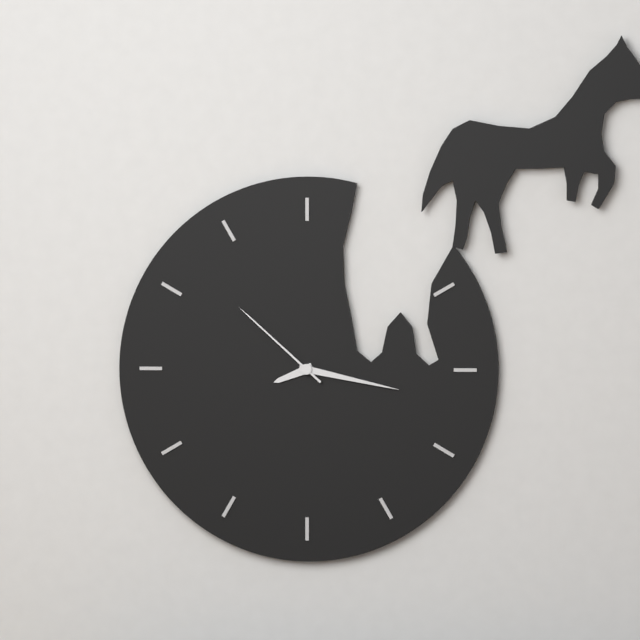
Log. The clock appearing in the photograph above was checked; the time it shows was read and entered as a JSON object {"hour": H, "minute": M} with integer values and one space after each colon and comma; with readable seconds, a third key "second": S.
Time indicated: {"hour": 8, "minute": 17, "second": 52}
